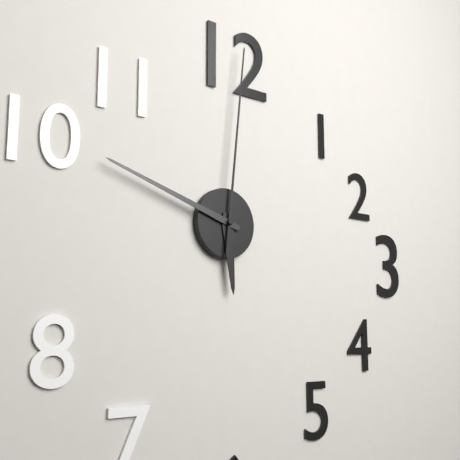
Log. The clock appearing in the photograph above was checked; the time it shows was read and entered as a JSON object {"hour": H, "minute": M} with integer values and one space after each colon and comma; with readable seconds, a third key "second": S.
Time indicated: {"hour": 5, "minute": 48, "second": 1}
